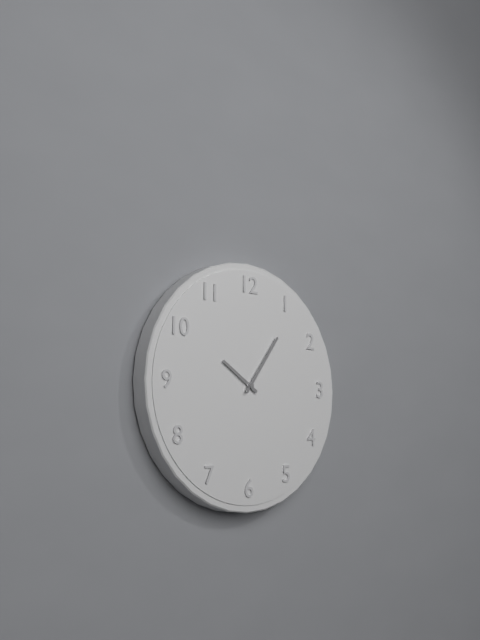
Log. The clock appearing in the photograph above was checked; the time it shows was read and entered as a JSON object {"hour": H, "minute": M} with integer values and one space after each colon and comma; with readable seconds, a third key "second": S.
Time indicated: {"hour": 10, "minute": 6}
